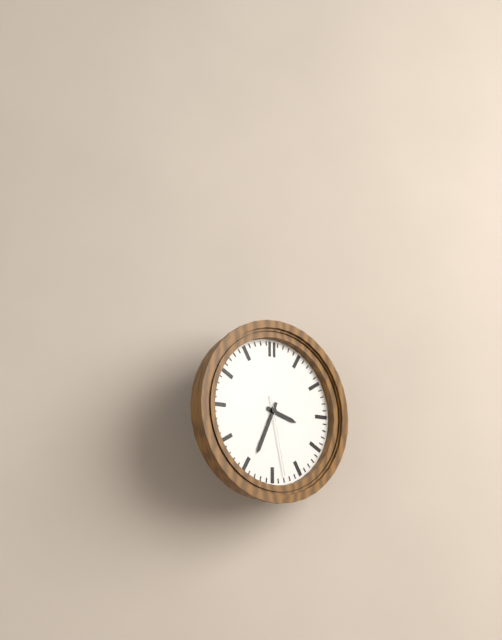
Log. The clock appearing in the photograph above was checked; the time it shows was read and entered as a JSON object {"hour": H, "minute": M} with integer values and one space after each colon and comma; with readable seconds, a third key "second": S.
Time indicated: {"hour": 3, "minute": 34, "second": 28}
